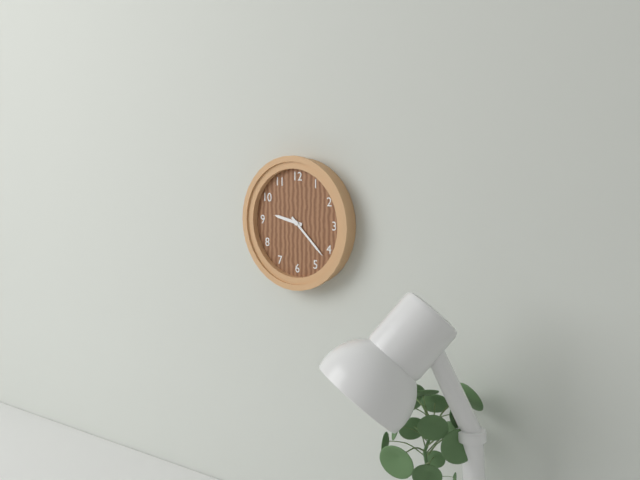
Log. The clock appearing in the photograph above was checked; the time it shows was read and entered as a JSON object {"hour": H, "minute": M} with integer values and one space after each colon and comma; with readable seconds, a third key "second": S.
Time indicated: {"hour": 9, "minute": 22}
